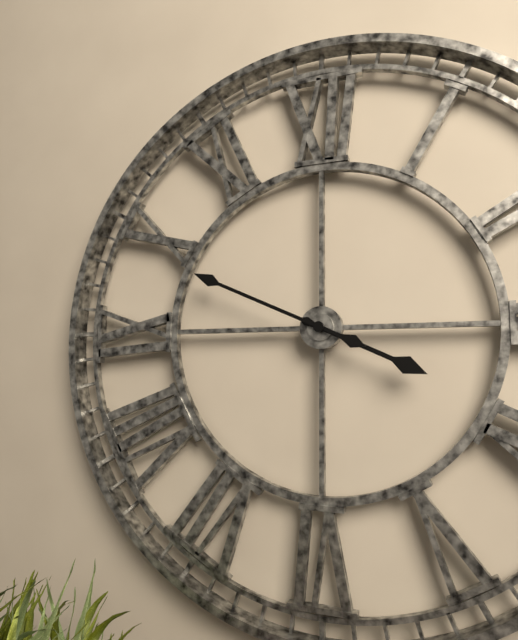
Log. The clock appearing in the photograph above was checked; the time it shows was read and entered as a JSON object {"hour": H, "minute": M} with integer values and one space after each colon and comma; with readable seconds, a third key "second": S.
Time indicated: {"hour": 3, "minute": 49}
